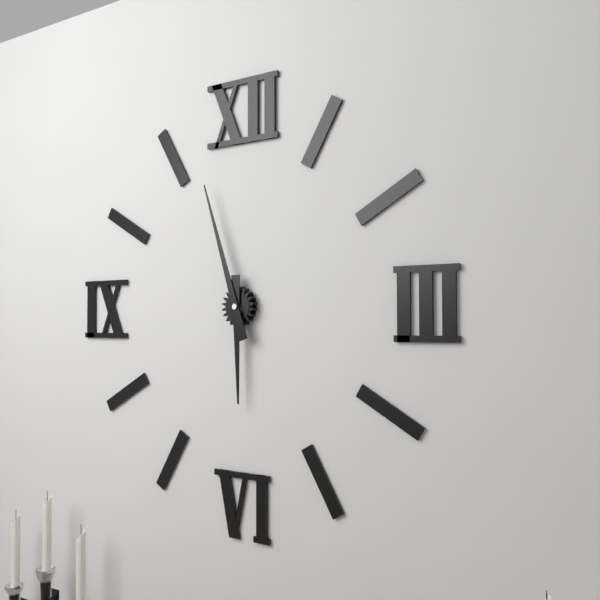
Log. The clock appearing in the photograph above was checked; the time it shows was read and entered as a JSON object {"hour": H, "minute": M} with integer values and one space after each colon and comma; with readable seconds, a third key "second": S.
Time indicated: {"hour": 5, "minute": 57}
